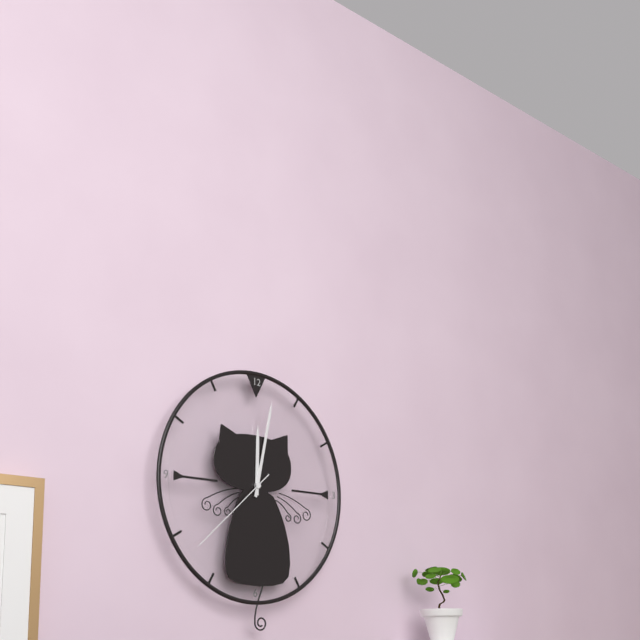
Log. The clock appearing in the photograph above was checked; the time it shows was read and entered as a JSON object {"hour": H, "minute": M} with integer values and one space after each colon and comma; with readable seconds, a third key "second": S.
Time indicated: {"hour": 12, "minute": 2, "second": 38}
